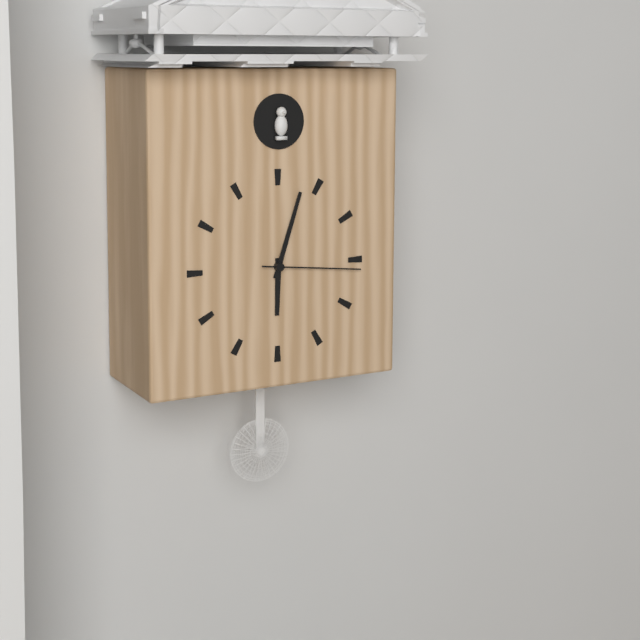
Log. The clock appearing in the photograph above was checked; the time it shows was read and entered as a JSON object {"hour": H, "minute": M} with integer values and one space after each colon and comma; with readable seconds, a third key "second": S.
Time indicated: {"hour": 6, "minute": 3, "second": 16}
